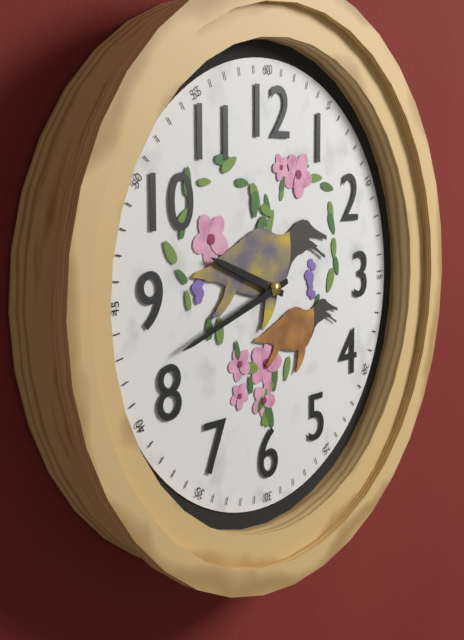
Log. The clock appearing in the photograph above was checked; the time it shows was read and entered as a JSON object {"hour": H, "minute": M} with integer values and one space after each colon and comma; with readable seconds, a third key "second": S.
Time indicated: {"hour": 9, "minute": 42}
